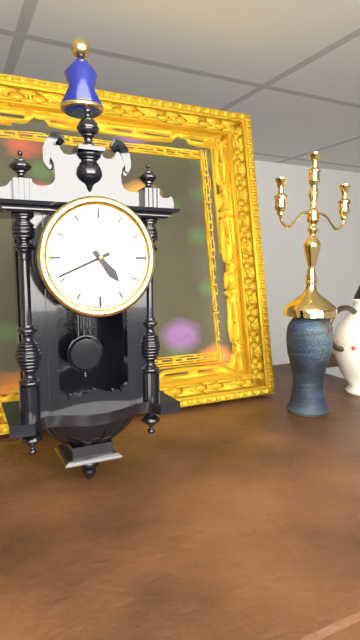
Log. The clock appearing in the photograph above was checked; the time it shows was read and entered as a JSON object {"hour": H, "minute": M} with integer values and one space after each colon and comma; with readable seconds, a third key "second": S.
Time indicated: {"hour": 4, "minute": 41}
